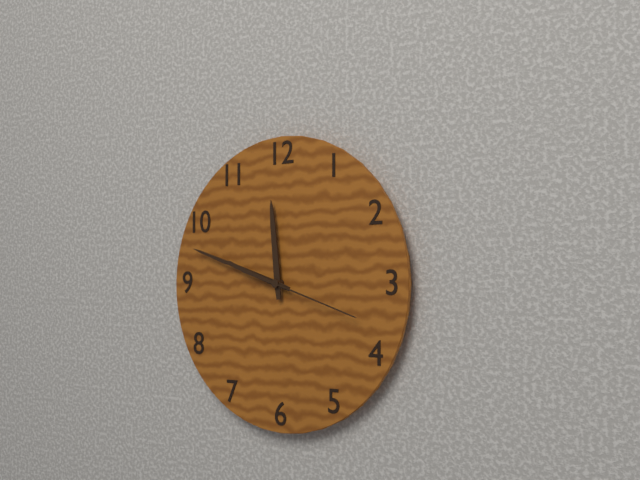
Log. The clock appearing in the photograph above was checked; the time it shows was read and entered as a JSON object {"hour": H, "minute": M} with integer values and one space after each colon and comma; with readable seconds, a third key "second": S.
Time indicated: {"hour": 11, "minute": 48, "second": 18}
